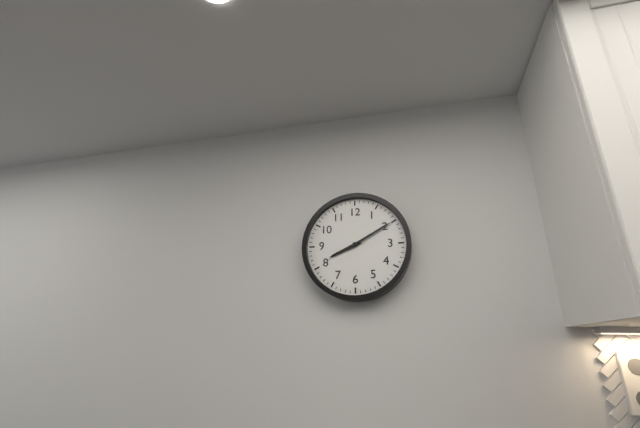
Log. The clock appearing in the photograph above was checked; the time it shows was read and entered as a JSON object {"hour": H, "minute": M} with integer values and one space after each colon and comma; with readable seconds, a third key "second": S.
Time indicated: {"hour": 8, "minute": 10}
